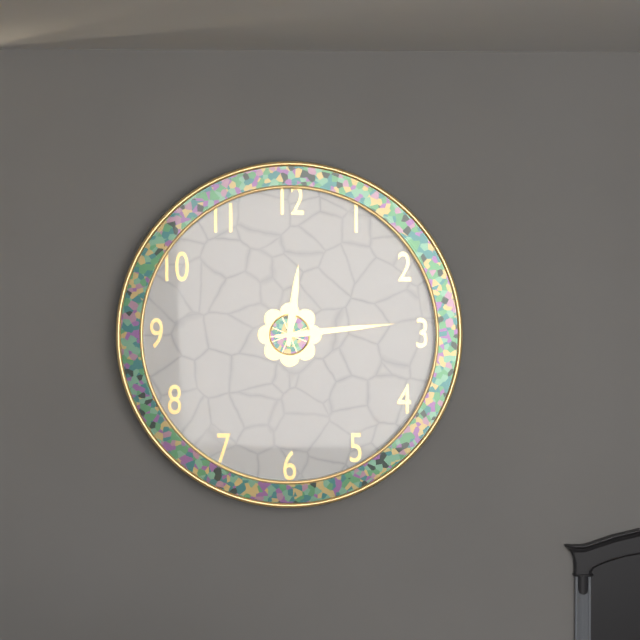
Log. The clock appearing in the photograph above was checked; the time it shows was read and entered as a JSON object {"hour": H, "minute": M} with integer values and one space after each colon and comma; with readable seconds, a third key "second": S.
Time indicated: {"hour": 12, "minute": 14, "second": 14}
